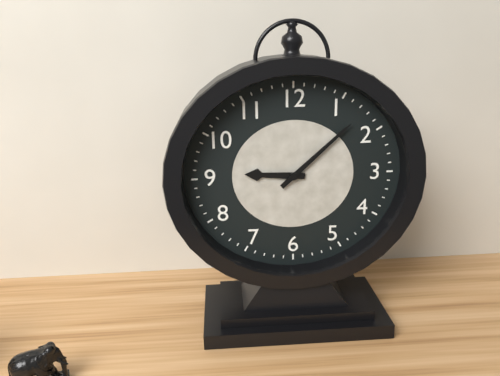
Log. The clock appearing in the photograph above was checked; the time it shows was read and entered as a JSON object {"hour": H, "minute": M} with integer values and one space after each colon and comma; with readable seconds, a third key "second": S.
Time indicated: {"hour": 9, "minute": 8}
